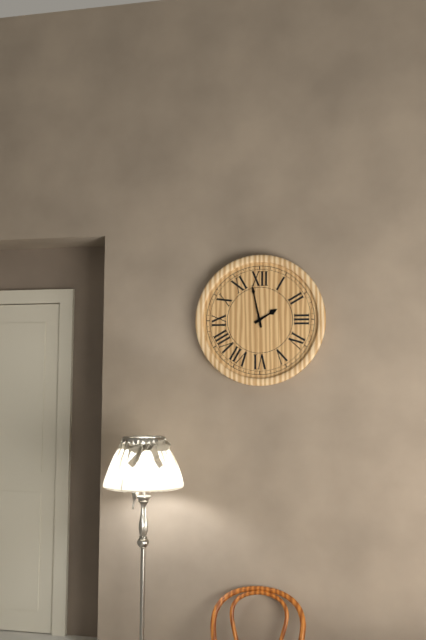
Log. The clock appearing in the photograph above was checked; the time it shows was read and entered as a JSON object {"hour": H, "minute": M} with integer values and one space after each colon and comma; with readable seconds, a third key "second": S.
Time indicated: {"hour": 1, "minute": 58}
